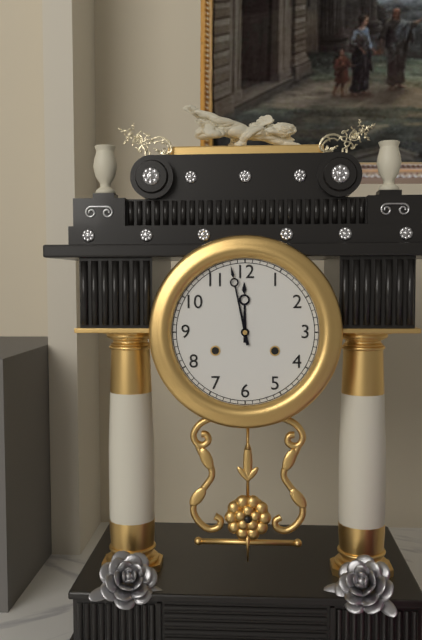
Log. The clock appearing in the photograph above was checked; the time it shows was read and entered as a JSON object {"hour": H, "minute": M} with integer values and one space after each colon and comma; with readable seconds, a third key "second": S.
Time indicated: {"hour": 11, "minute": 58}
